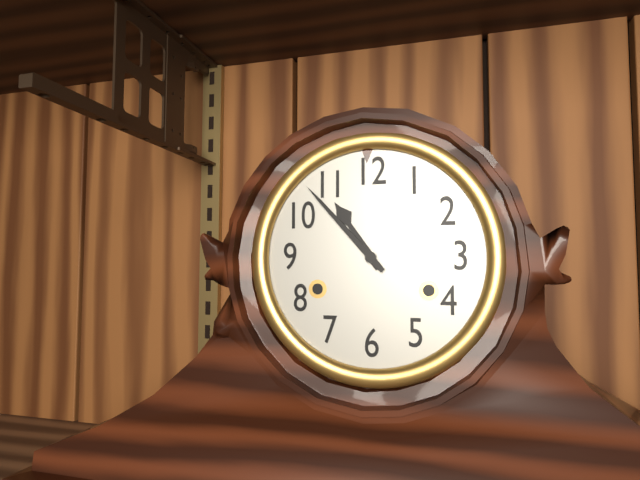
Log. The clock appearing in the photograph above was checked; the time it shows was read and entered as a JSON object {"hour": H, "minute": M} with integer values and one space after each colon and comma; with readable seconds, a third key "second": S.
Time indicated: {"hour": 10, "minute": 53}
